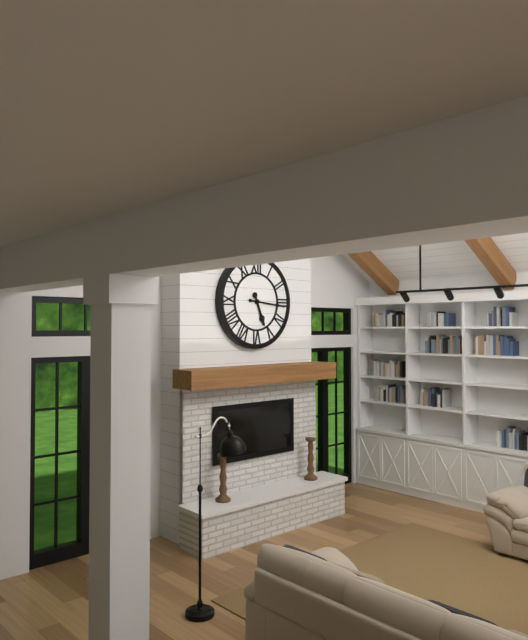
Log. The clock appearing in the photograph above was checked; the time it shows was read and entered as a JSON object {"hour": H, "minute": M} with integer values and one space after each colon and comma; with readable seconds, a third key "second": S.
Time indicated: {"hour": 5, "minute": 16}
